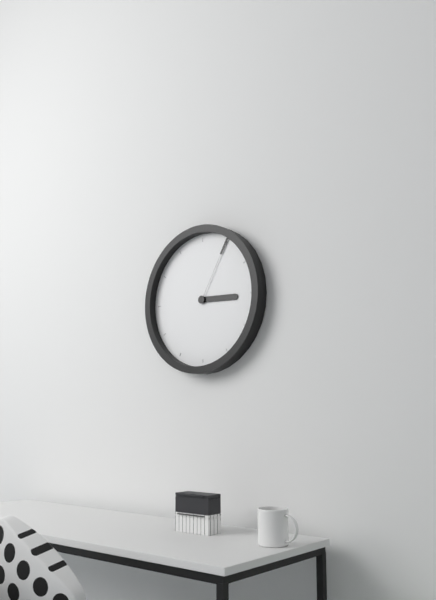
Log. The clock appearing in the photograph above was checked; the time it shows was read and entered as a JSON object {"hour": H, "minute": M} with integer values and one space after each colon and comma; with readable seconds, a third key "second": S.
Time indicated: {"hour": 3, "minute": 5}
